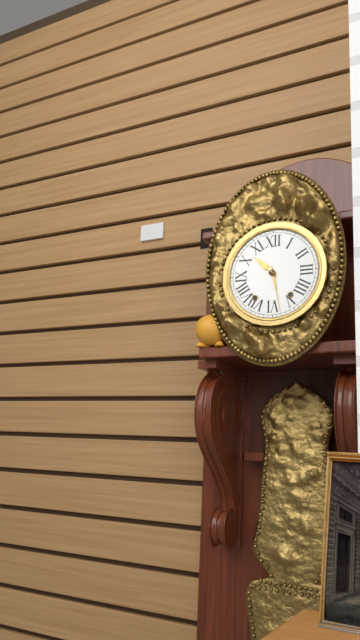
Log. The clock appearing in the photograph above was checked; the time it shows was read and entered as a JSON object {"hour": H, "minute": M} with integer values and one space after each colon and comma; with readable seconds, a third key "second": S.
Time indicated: {"hour": 10, "minute": 28}
